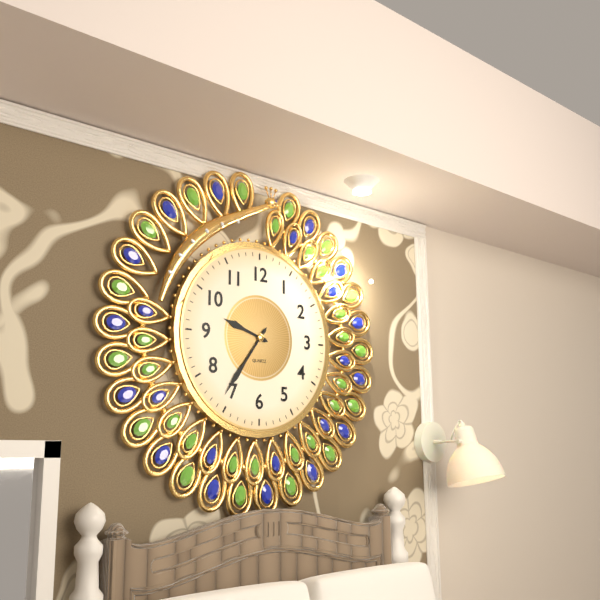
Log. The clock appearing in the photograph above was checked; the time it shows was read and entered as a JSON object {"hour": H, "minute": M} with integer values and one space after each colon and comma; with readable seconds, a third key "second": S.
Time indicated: {"hour": 9, "minute": 36}
